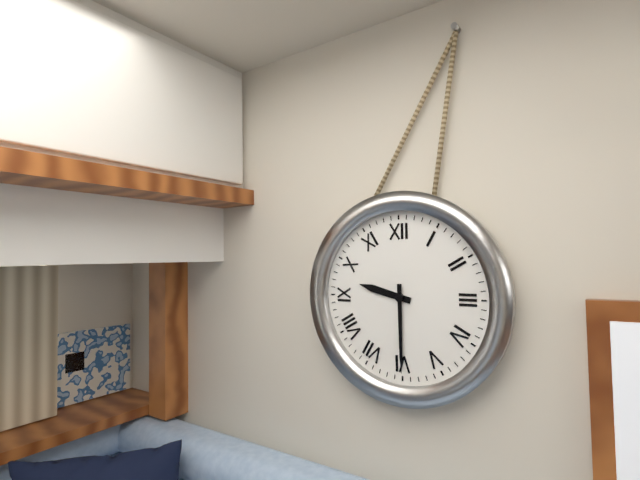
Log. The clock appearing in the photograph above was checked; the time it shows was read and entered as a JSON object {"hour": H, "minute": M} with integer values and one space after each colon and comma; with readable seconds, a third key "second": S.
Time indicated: {"hour": 9, "minute": 30}
